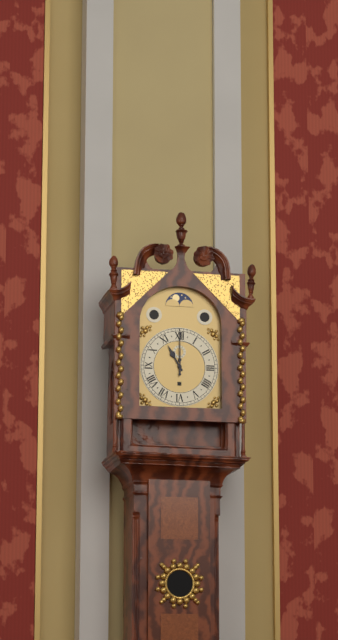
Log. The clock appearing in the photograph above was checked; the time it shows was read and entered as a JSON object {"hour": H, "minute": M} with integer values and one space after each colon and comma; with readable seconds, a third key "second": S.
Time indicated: {"hour": 11, "minute": 0}
